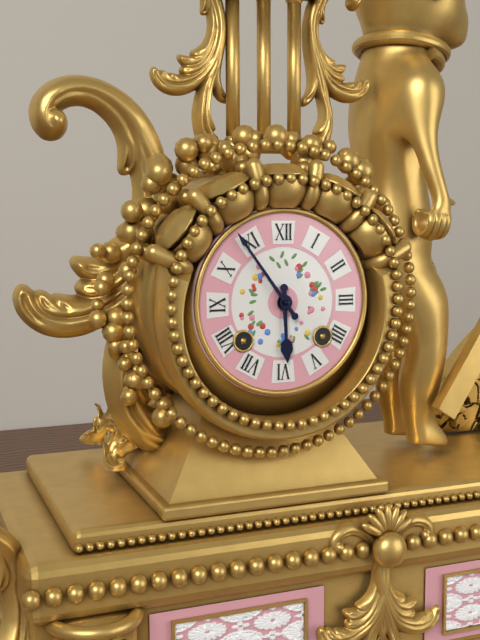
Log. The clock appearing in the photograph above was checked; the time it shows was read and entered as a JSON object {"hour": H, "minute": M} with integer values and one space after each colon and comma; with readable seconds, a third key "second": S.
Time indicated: {"hour": 5, "minute": 54}
